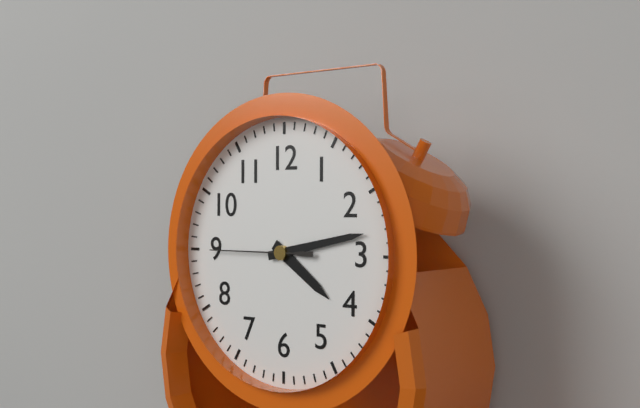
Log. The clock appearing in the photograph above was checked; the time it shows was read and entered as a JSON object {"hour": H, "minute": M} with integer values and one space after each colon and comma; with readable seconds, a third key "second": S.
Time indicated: {"hour": 4, "minute": 13, "second": 45}
